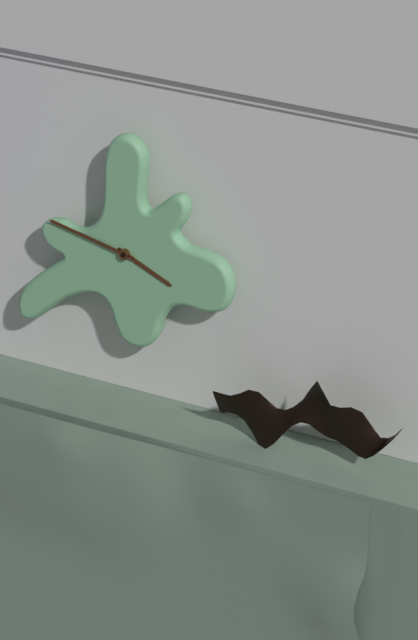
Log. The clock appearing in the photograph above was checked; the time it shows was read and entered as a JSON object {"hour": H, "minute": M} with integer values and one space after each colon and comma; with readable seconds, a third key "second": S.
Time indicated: {"hour": 3, "minute": 47}
